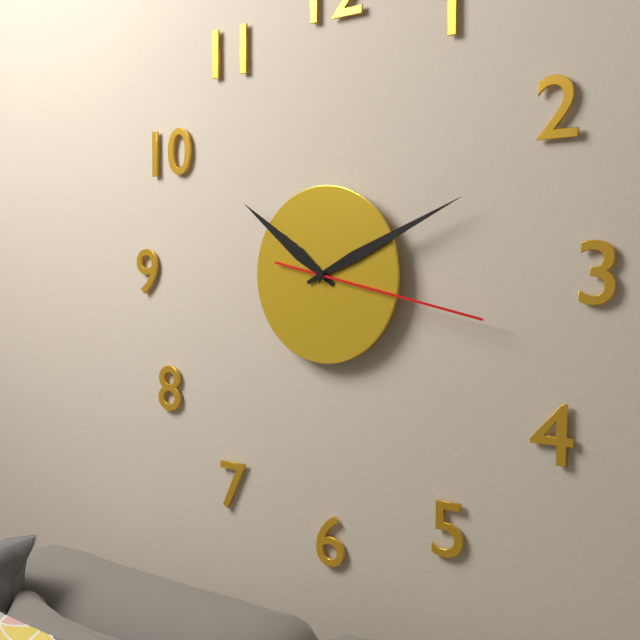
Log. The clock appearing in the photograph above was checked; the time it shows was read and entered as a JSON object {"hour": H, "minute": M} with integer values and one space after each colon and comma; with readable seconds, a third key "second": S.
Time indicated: {"hour": 10, "minute": 11, "second": 17}
